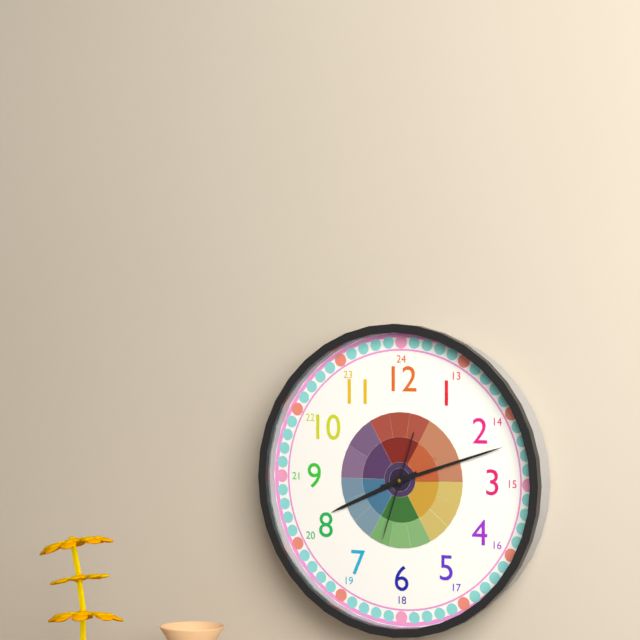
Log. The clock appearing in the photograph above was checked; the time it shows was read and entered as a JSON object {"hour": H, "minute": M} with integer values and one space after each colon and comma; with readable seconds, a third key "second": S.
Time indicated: {"hour": 8, "minute": 12, "second": 33}
